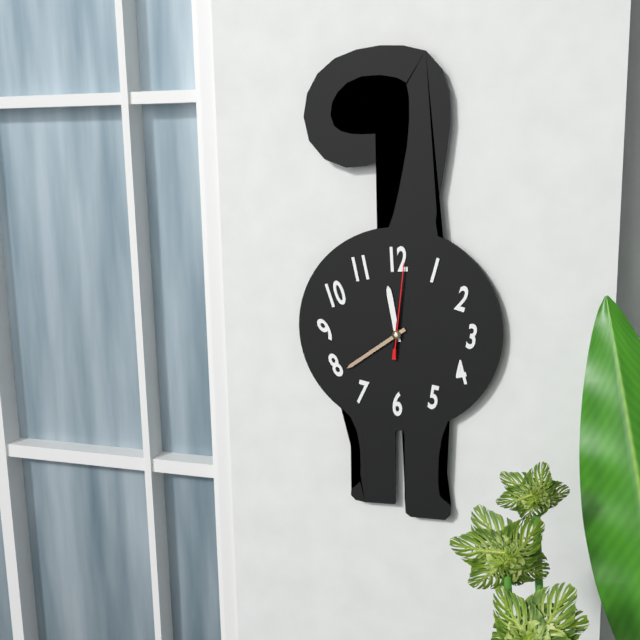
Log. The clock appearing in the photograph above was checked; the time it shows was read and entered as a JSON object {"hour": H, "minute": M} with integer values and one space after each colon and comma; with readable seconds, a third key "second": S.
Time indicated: {"hour": 11, "minute": 39, "second": 1}
